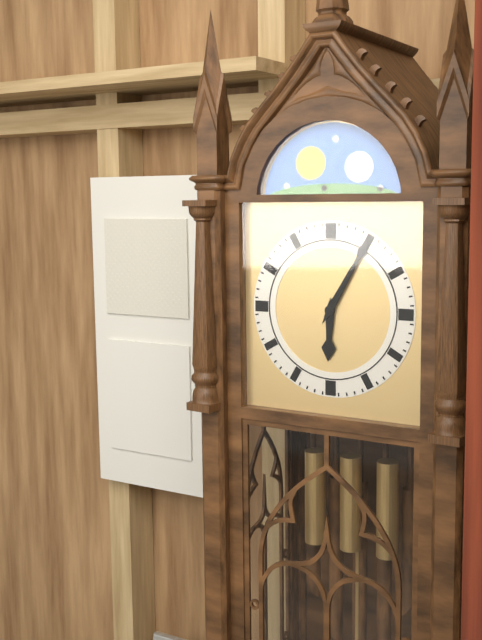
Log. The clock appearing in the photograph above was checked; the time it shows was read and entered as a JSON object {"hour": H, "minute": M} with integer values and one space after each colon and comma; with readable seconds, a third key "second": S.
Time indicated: {"hour": 6, "minute": 5}
